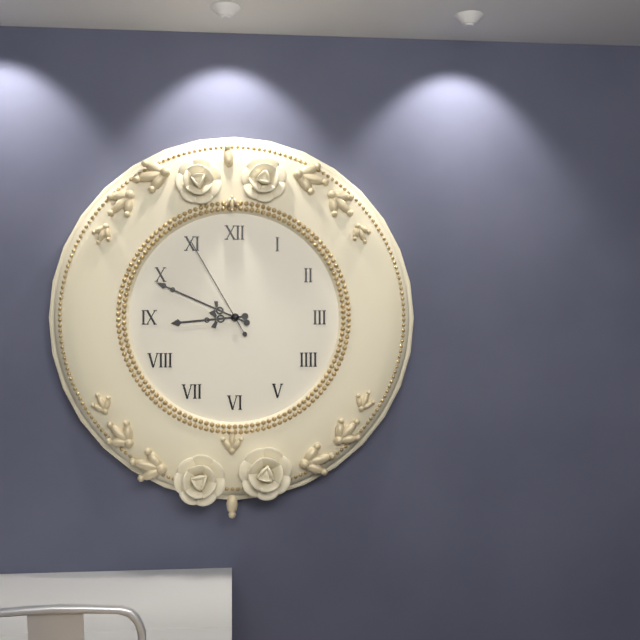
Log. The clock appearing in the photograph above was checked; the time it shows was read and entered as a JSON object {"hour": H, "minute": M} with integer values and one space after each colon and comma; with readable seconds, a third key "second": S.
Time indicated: {"hour": 8, "minute": 49, "second": 55}
